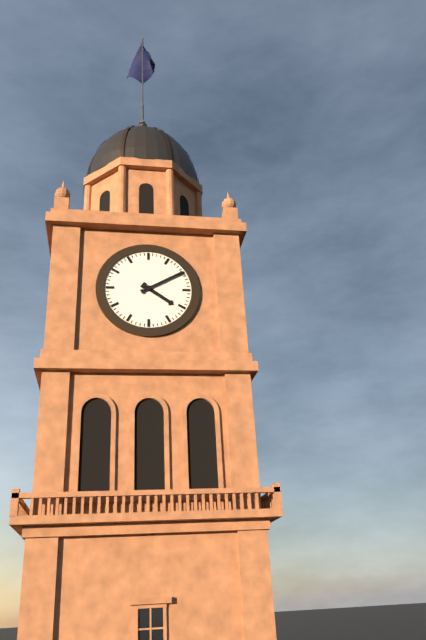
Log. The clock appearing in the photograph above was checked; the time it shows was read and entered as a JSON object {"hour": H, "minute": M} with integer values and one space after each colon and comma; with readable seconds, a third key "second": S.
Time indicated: {"hour": 4, "minute": 10}
